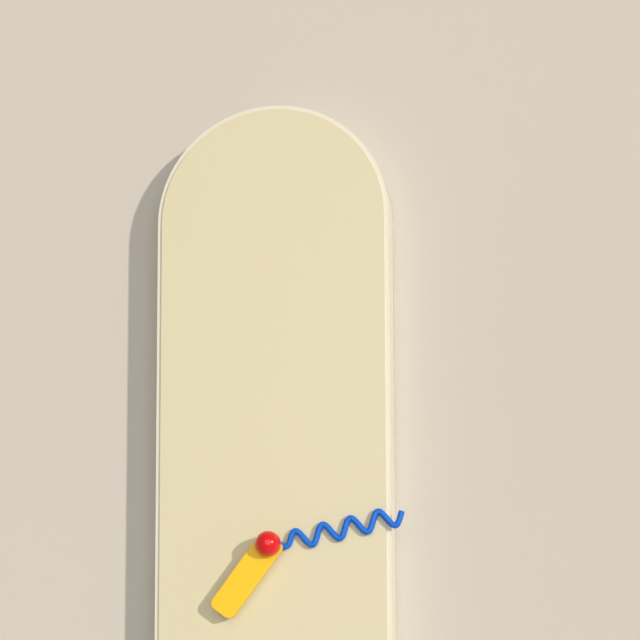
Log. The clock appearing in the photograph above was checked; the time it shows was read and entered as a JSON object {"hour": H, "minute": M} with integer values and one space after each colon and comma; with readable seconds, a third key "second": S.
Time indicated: {"hour": 7, "minute": 13}
